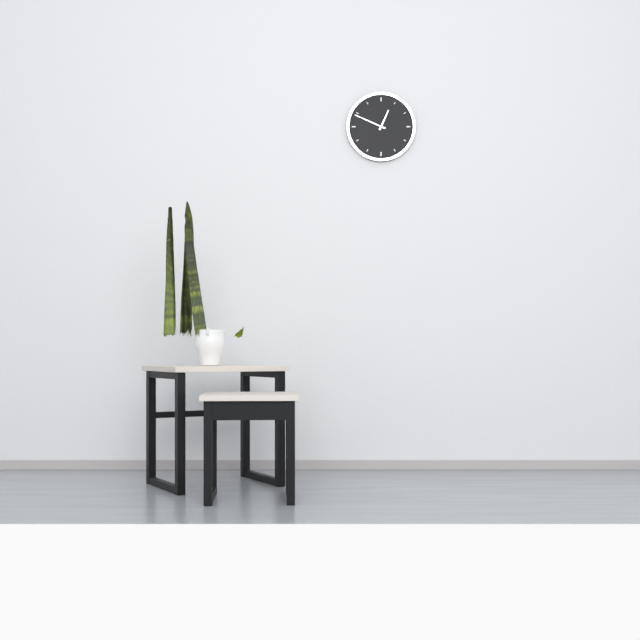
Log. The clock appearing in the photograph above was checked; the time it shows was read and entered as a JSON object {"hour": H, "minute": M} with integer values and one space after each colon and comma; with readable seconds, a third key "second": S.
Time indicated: {"hour": 12, "minute": 49}
